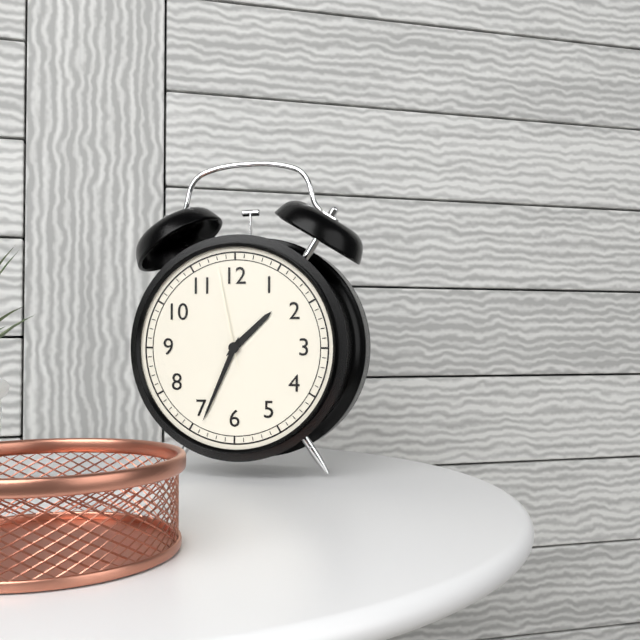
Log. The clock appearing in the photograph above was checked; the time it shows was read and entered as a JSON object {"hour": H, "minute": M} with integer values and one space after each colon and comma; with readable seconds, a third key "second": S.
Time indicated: {"hour": 1, "minute": 34, "second": 58}
